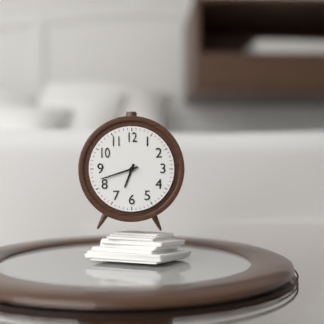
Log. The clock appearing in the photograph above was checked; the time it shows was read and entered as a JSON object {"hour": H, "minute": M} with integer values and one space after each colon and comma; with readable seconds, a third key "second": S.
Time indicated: {"hour": 6, "minute": 42}
